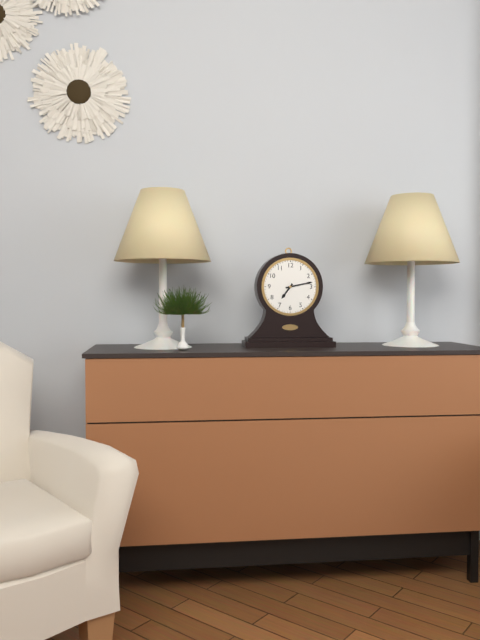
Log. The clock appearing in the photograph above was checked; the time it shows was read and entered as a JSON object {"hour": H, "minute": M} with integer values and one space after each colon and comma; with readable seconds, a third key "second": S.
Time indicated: {"hour": 7, "minute": 13}
